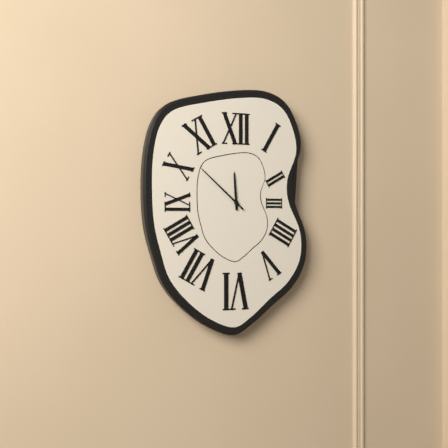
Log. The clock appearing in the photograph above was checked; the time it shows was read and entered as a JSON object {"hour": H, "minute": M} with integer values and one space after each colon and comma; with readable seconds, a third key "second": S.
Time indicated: {"hour": 11, "minute": 52}
